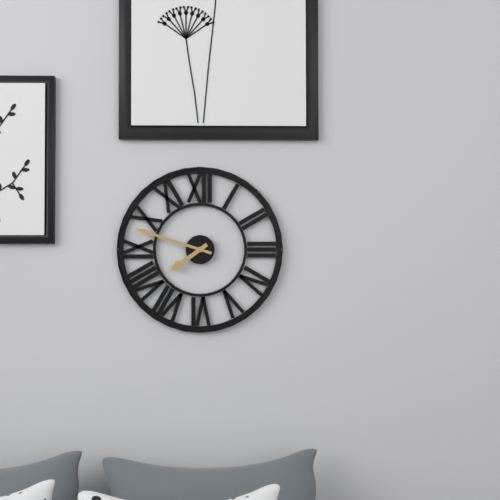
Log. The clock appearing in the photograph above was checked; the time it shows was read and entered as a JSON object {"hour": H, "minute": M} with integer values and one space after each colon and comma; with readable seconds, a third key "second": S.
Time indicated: {"hour": 7, "minute": 48}
